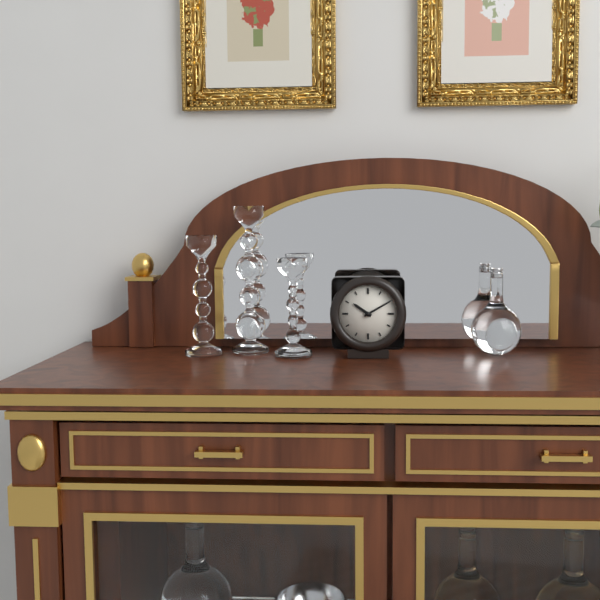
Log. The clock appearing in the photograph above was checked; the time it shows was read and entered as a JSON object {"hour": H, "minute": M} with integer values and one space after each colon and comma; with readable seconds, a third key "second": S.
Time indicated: {"hour": 10, "minute": 10}
